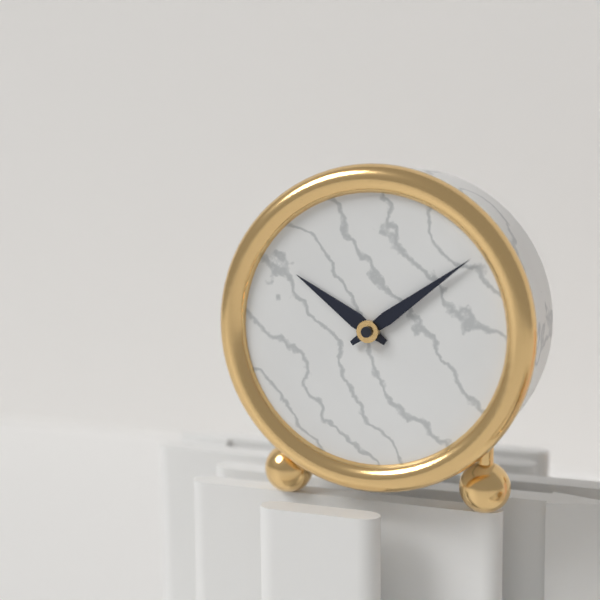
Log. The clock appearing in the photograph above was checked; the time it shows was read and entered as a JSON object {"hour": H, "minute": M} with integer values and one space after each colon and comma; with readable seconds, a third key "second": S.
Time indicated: {"hour": 10, "minute": 9}
